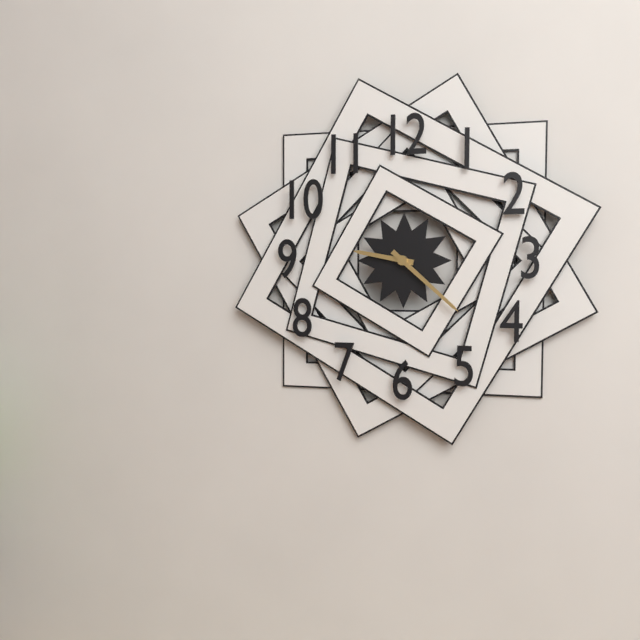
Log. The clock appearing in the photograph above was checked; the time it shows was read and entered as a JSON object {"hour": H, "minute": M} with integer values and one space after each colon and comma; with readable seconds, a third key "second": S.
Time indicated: {"hour": 9, "minute": 22}
